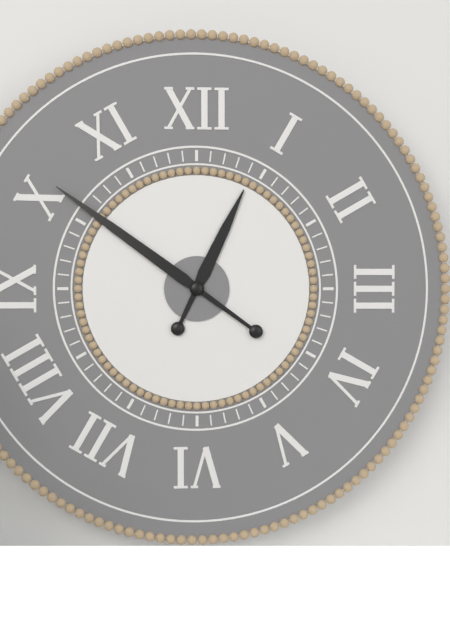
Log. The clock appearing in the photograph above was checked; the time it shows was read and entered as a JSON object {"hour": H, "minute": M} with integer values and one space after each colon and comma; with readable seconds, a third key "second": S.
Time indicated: {"hour": 12, "minute": 51}
